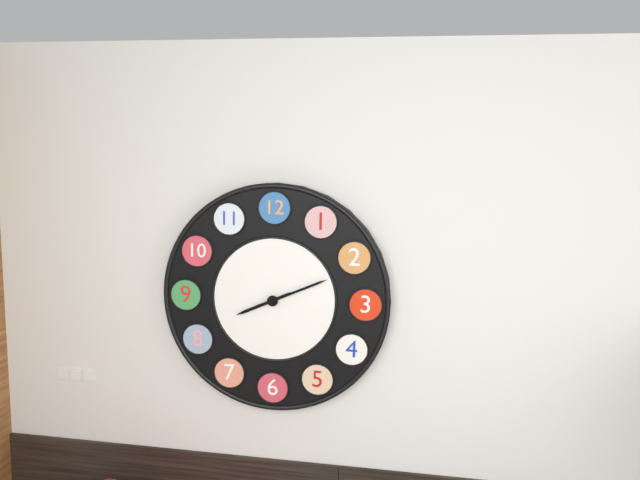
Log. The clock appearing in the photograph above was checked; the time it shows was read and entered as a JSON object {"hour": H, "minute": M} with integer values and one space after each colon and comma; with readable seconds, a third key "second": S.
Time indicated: {"hour": 8, "minute": 11}
